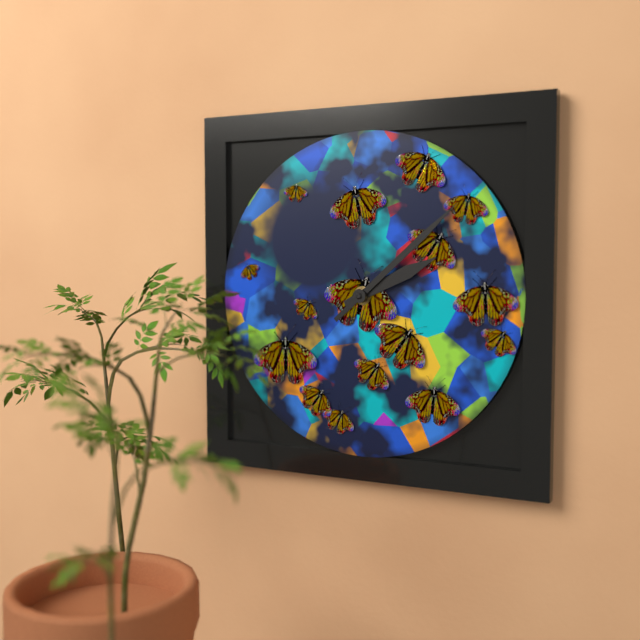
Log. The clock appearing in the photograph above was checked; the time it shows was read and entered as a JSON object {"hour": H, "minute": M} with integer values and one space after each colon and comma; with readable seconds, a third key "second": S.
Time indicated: {"hour": 2, "minute": 8}
